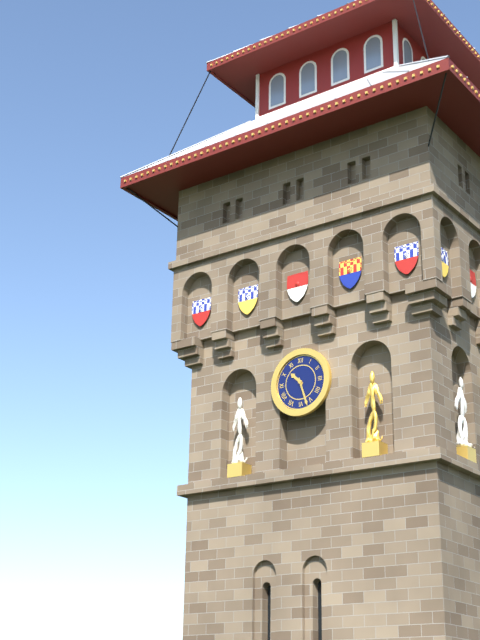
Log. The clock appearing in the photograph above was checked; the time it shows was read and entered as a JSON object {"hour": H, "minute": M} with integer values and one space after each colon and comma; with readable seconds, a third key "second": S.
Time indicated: {"hour": 10, "minute": 27}
